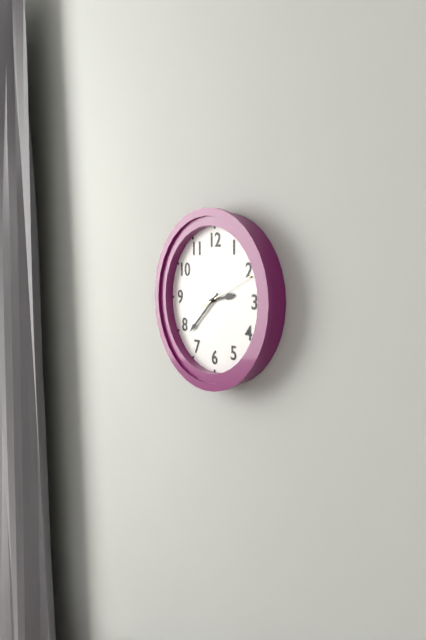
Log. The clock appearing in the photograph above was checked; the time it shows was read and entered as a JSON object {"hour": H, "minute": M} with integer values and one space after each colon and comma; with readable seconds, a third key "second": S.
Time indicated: {"hour": 2, "minute": 38, "second": 11}
